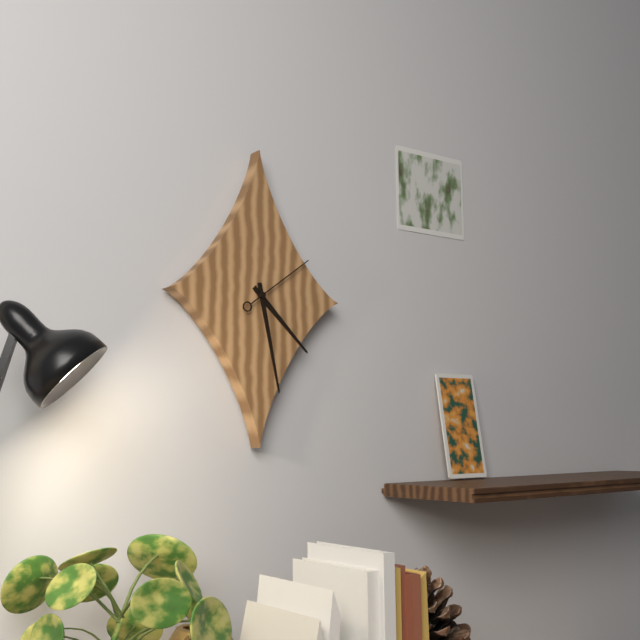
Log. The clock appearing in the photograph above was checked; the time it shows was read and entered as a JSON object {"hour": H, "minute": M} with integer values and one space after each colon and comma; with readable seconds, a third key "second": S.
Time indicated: {"hour": 4, "minute": 28, "second": 9}
